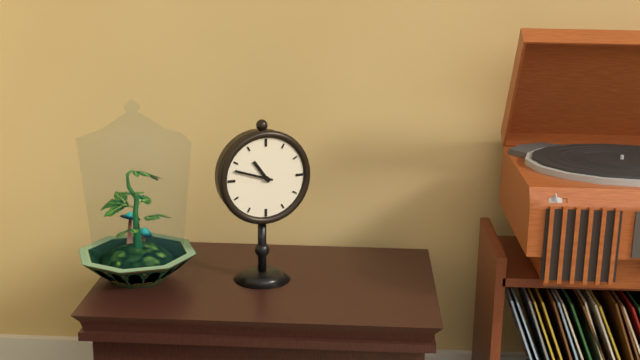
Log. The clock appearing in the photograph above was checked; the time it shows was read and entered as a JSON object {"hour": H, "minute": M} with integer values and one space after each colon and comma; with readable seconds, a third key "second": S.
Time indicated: {"hour": 10, "minute": 48}
